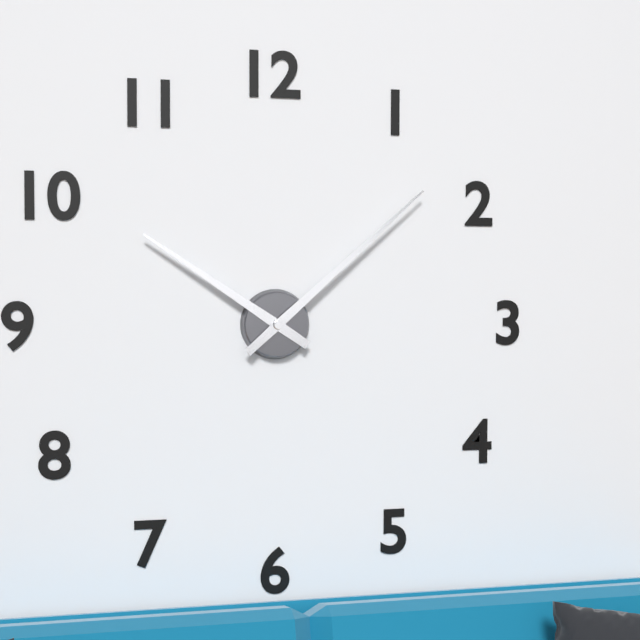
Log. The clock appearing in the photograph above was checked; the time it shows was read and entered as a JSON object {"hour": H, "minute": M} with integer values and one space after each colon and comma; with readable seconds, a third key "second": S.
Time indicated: {"hour": 10, "minute": 8}
